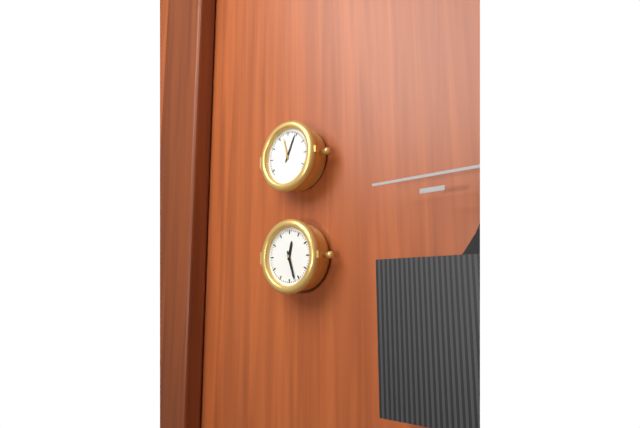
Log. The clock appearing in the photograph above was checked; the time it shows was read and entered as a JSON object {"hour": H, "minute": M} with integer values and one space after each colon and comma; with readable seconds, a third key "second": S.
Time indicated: {"hour": 12, "minute": 27}
